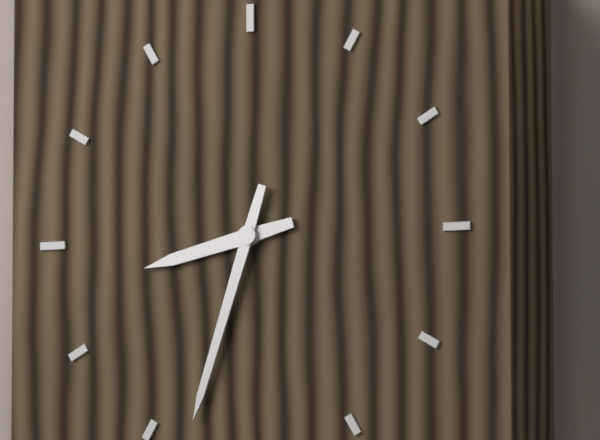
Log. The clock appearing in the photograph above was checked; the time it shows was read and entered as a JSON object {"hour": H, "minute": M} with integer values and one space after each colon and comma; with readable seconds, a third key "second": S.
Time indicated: {"hour": 8, "minute": 33}
